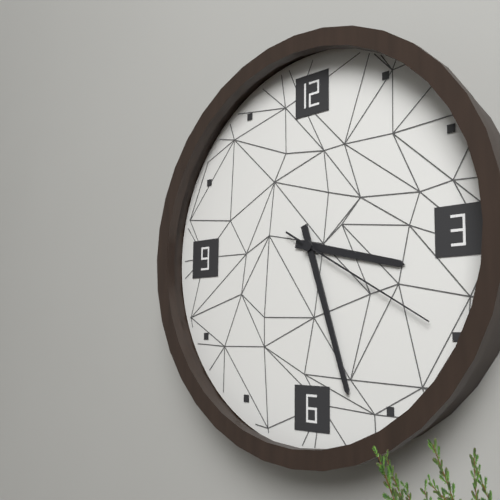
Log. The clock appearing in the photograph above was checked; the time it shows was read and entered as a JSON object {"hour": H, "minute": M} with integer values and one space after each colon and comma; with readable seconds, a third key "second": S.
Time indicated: {"hour": 3, "minute": 27, "second": 20}
